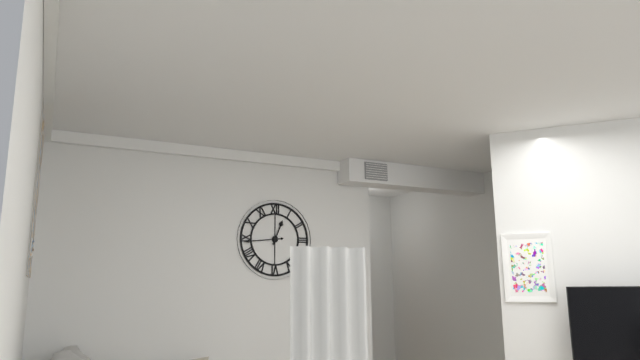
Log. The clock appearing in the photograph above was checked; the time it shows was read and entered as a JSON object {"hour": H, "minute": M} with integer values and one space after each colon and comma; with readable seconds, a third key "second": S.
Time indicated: {"hour": 12, "minute": 44}
